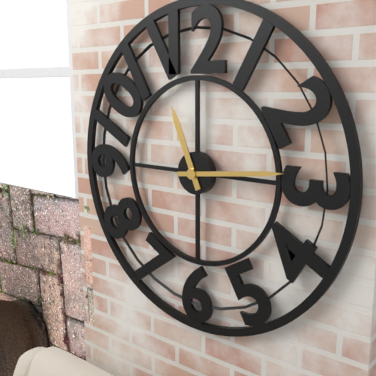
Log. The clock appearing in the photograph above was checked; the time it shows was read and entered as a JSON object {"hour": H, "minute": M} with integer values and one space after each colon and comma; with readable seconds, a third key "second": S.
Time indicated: {"hour": 11, "minute": 14}
